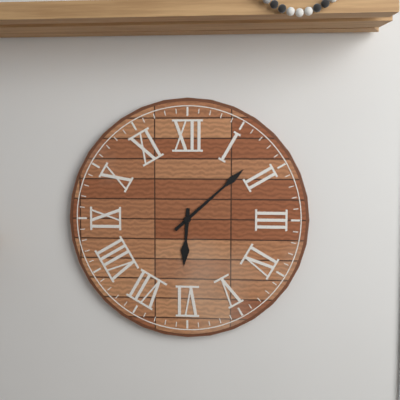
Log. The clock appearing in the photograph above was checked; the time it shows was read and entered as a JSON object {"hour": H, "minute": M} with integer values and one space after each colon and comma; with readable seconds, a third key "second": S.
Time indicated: {"hour": 6, "minute": 8}
